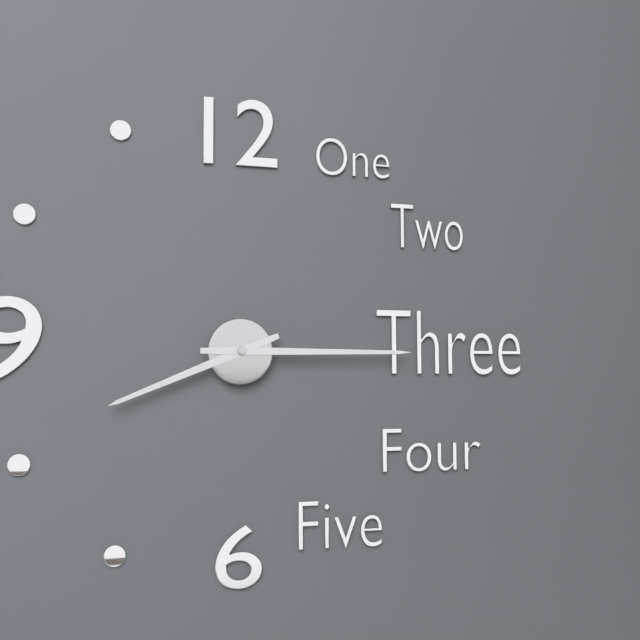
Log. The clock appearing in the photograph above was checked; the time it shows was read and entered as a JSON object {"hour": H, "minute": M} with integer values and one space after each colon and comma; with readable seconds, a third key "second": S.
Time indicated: {"hour": 8, "minute": 15}
